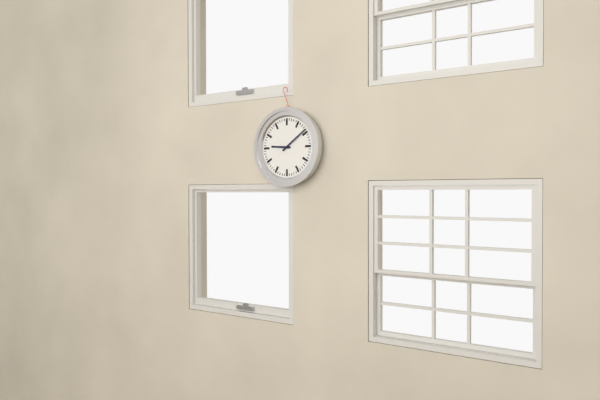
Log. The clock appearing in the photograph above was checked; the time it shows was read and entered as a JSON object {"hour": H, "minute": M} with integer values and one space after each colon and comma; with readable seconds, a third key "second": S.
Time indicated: {"hour": 9, "minute": 9}
